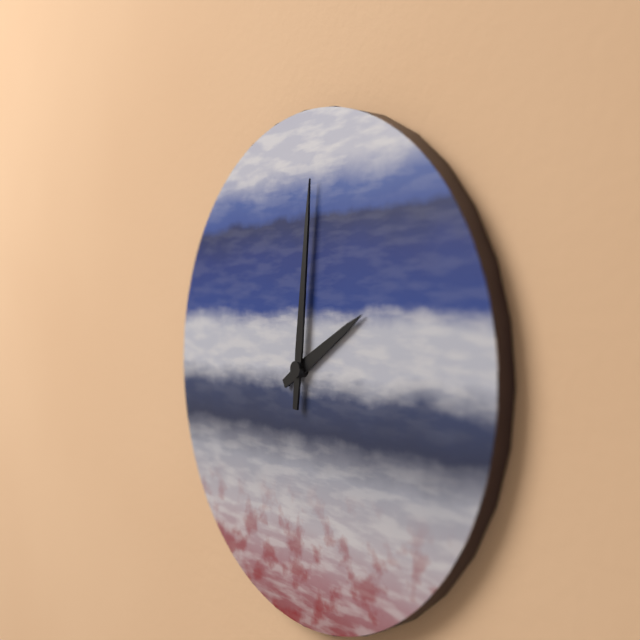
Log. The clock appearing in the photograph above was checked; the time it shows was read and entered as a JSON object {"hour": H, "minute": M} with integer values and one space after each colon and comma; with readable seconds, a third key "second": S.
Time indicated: {"hour": 2, "minute": 1}
